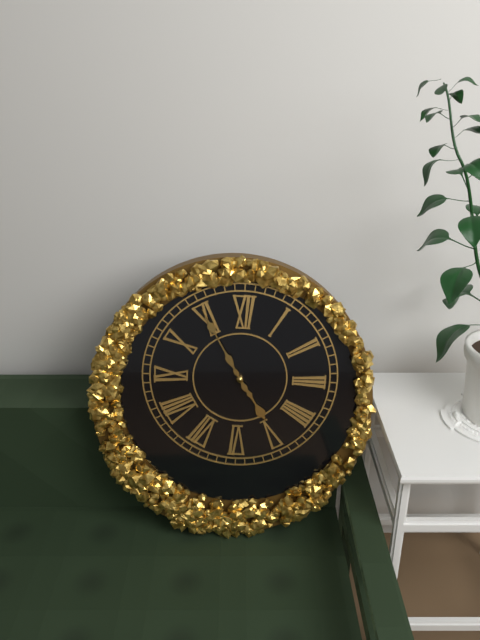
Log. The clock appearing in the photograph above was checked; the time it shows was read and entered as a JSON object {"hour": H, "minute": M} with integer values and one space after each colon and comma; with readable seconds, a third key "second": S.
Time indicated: {"hour": 4, "minute": 55}
